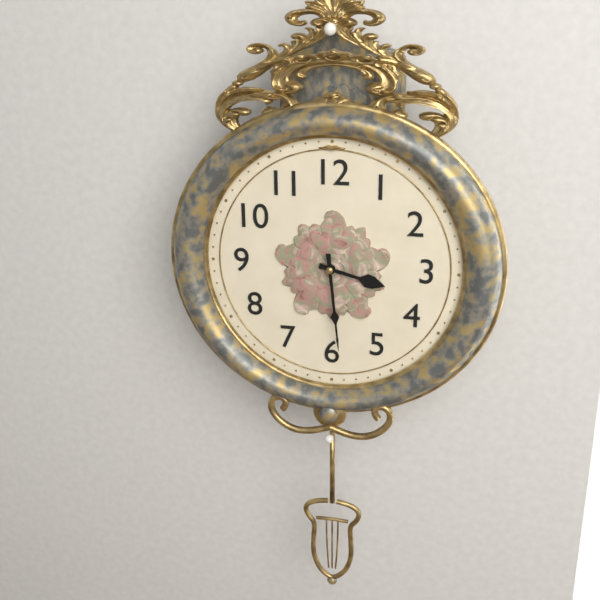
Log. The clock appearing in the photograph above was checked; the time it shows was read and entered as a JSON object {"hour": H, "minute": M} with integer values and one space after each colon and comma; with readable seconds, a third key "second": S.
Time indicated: {"hour": 3, "minute": 29}
